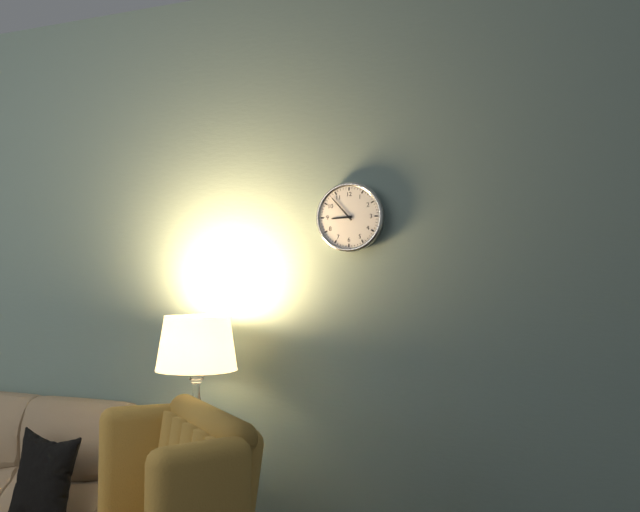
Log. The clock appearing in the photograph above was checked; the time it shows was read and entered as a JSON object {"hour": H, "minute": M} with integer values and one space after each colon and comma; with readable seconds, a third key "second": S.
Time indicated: {"hour": 8, "minute": 53}
